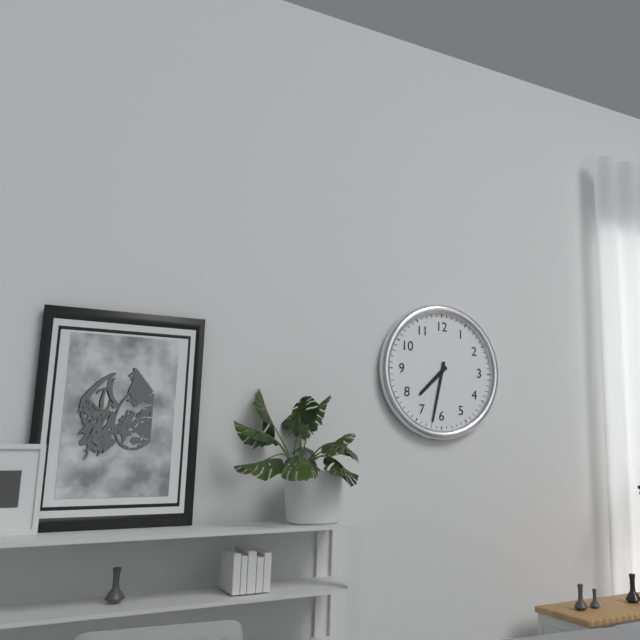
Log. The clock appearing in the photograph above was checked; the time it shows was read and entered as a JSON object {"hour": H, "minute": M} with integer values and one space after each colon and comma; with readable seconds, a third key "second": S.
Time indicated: {"hour": 7, "minute": 32}
